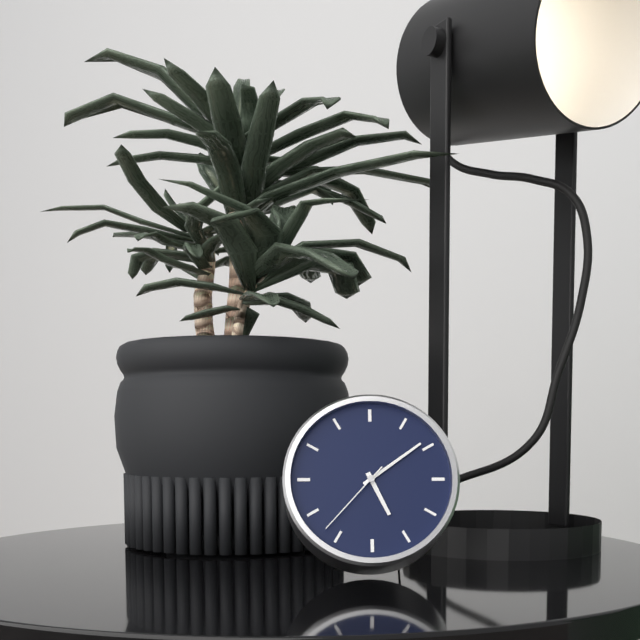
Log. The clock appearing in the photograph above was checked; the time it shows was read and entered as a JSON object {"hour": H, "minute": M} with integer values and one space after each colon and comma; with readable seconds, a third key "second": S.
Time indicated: {"hour": 5, "minute": 9, "second": 37}
